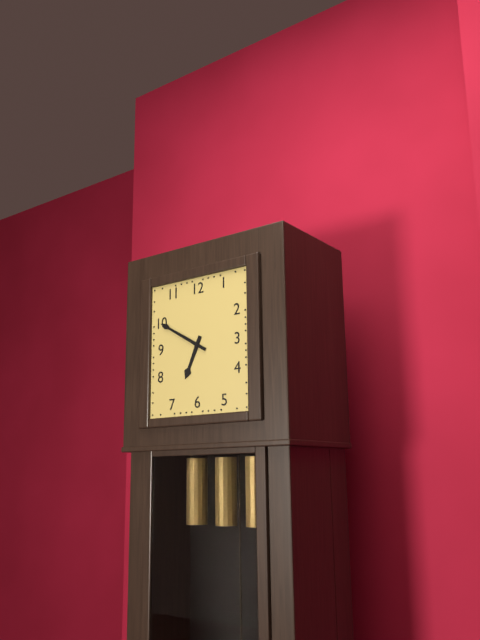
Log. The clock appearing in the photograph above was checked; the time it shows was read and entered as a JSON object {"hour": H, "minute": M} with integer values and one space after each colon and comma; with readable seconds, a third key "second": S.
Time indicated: {"hour": 6, "minute": 50}
